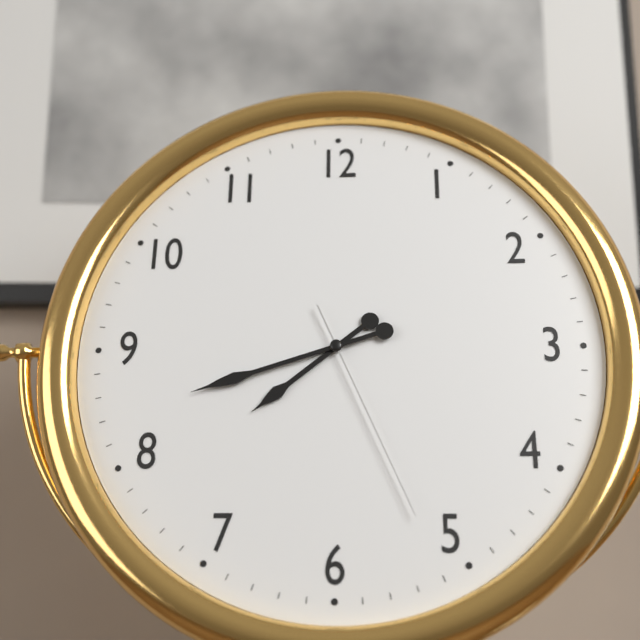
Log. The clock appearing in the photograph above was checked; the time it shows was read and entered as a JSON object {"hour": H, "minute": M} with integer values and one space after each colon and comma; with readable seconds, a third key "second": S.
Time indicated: {"hour": 7, "minute": 42, "second": 26}
